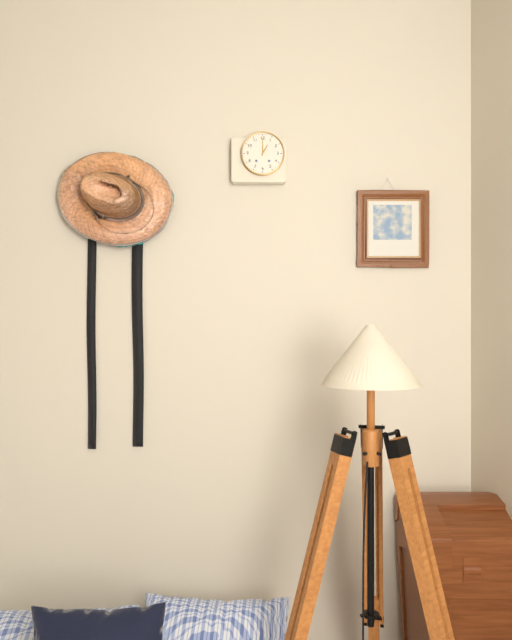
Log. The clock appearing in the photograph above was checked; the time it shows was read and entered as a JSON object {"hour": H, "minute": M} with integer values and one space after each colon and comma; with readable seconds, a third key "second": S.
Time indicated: {"hour": 1, "minute": 0}
